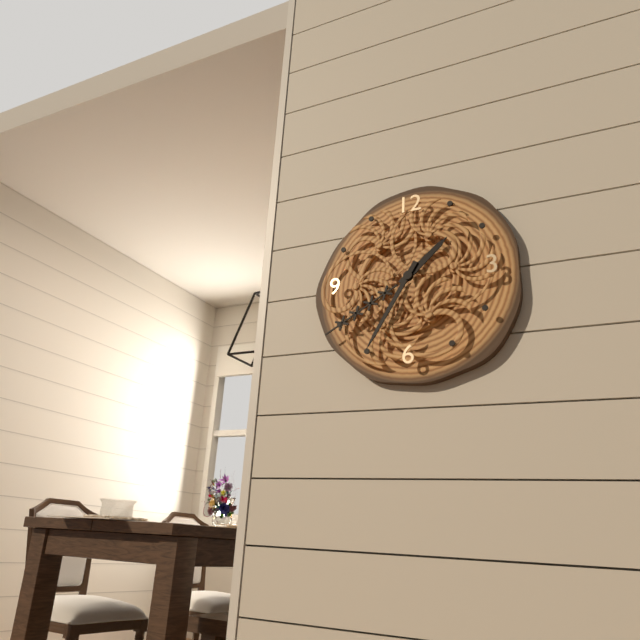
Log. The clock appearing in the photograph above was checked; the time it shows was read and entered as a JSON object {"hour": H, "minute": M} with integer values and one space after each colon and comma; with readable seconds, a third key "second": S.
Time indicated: {"hour": 1, "minute": 35}
